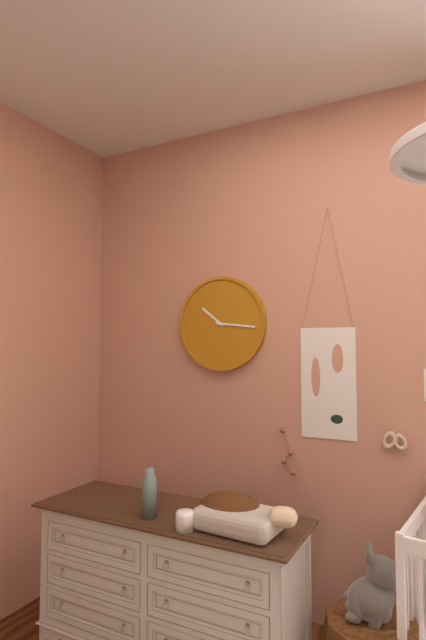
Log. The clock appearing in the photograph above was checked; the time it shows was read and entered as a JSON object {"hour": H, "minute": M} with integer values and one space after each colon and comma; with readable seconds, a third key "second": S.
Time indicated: {"hour": 10, "minute": 16}
